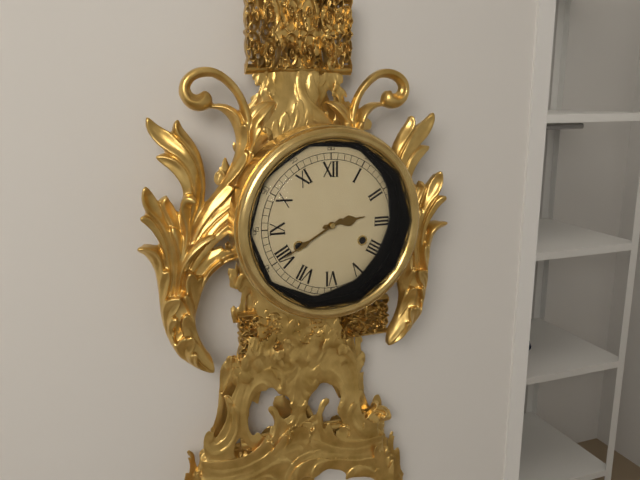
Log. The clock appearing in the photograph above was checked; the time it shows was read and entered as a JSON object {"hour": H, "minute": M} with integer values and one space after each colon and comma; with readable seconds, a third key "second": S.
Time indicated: {"hour": 2, "minute": 40}
